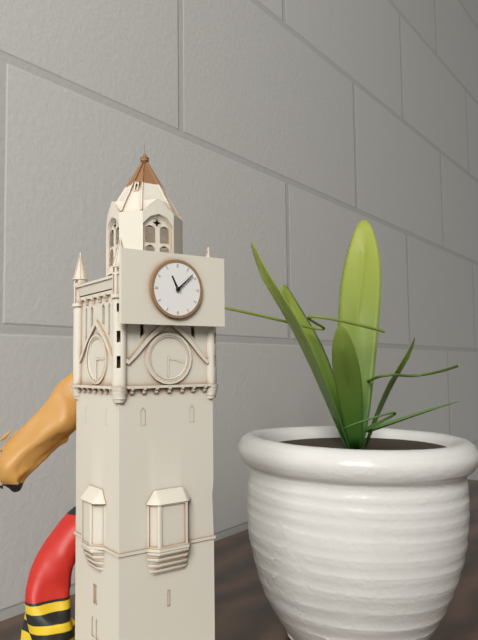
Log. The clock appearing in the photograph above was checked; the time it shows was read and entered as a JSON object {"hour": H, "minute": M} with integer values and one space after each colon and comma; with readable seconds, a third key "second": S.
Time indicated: {"hour": 11, "minute": 8}
